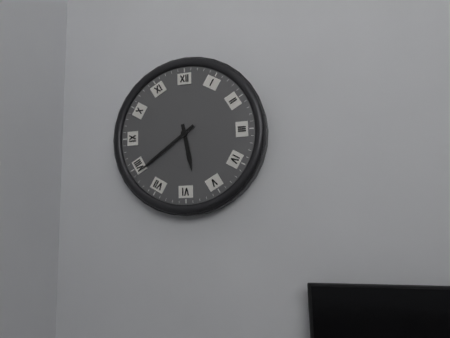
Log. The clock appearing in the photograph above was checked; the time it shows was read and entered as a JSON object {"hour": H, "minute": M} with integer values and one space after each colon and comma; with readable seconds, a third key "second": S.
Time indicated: {"hour": 5, "minute": 39}
